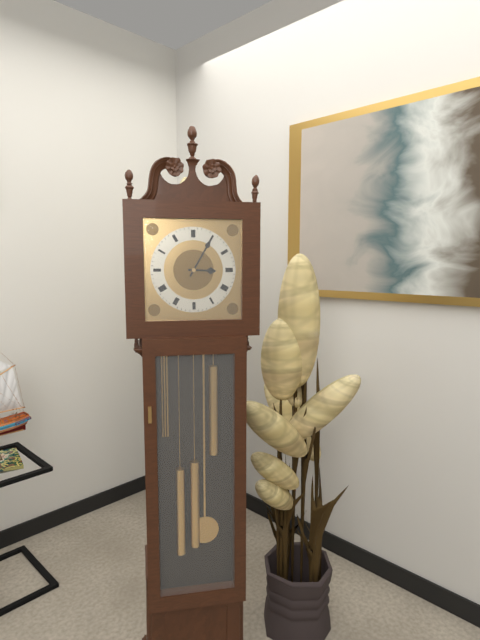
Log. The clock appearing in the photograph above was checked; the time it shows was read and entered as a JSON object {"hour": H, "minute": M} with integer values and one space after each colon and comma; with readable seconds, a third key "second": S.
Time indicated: {"hour": 3, "minute": 5}
